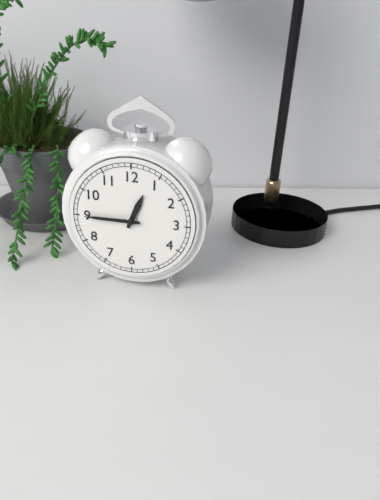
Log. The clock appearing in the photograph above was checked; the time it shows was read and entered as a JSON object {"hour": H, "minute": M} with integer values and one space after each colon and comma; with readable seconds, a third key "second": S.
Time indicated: {"hour": 12, "minute": 45}
